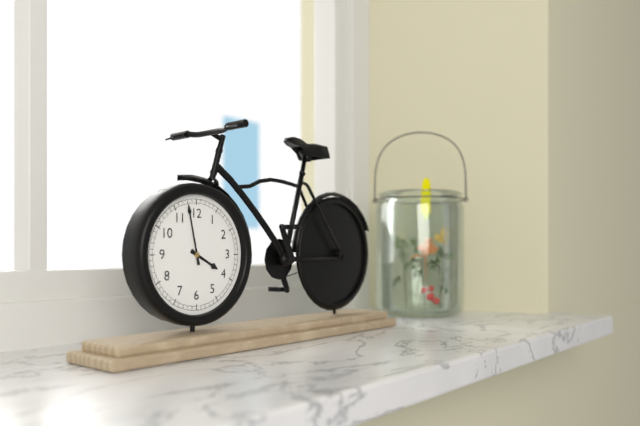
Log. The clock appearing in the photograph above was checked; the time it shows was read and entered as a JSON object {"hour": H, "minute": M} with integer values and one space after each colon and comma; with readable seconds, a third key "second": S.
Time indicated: {"hour": 3, "minute": 58}
